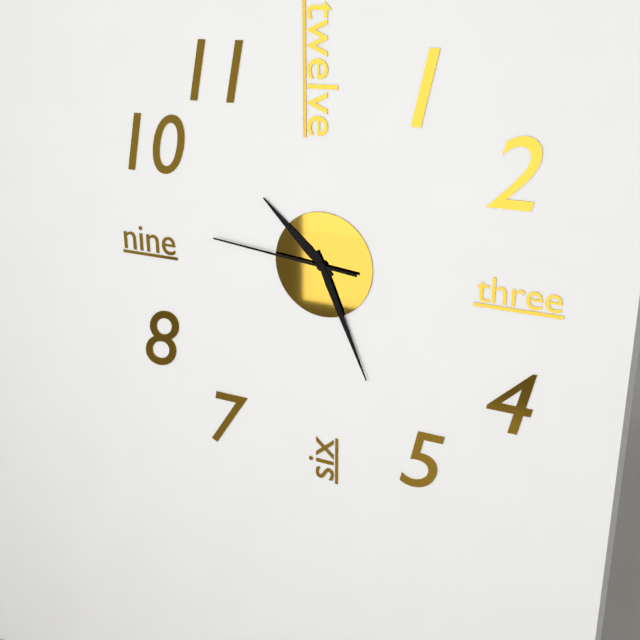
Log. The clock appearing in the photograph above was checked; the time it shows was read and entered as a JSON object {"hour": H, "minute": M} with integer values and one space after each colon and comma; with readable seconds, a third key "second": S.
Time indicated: {"hour": 10, "minute": 26, "second": 46}
